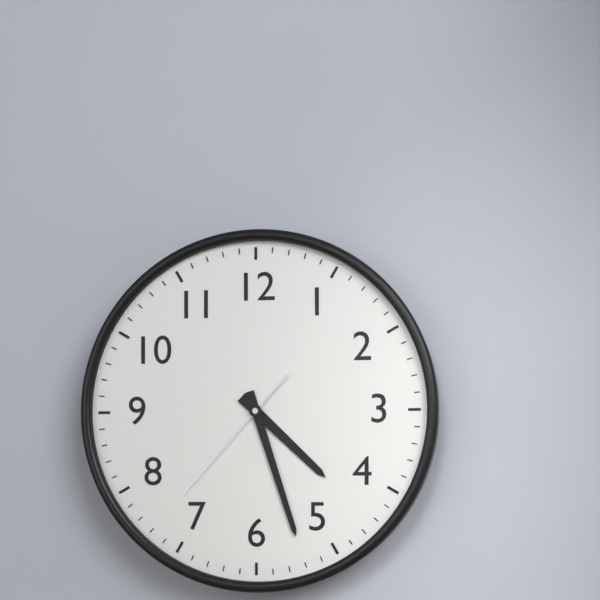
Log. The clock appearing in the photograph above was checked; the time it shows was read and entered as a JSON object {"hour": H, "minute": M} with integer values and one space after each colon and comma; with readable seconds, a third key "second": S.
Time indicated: {"hour": 4, "minute": 27, "second": 37}
